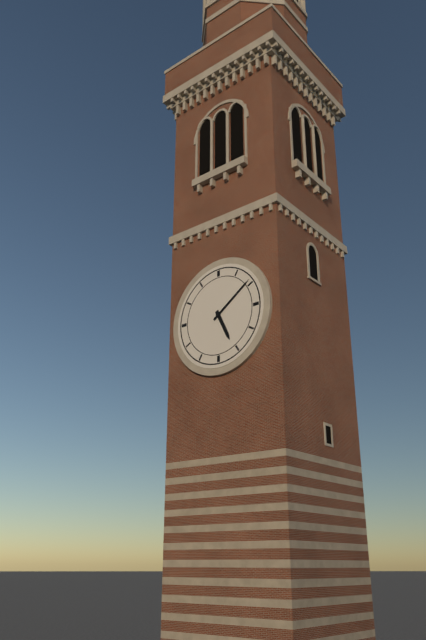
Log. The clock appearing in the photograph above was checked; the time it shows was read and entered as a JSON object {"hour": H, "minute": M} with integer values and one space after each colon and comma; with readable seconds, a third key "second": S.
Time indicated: {"hour": 5, "minute": 9}
